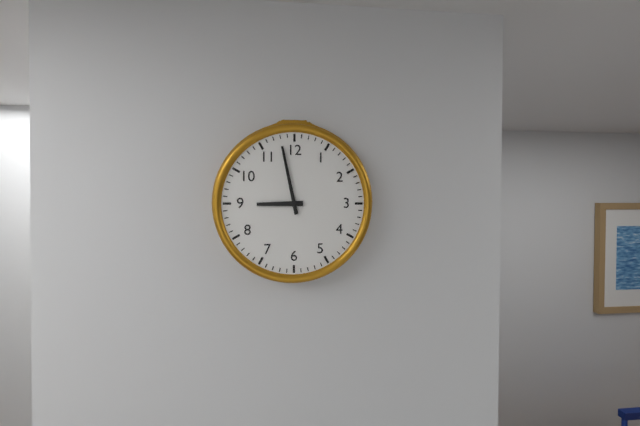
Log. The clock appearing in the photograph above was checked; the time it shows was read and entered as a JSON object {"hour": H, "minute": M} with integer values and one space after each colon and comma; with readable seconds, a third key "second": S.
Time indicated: {"hour": 8, "minute": 58}
